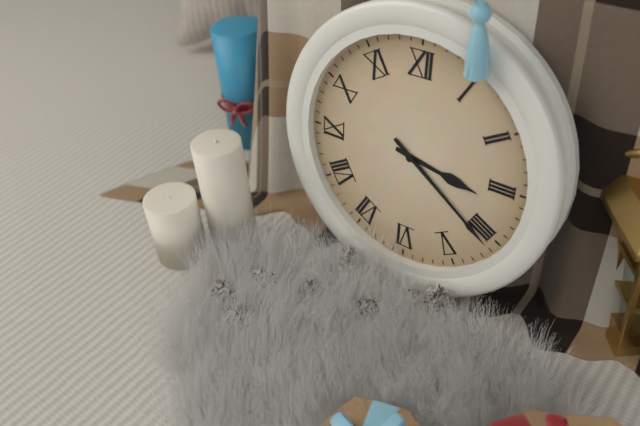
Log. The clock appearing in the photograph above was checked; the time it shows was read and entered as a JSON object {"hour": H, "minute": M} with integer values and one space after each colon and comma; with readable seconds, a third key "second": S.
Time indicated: {"hour": 3, "minute": 21}
